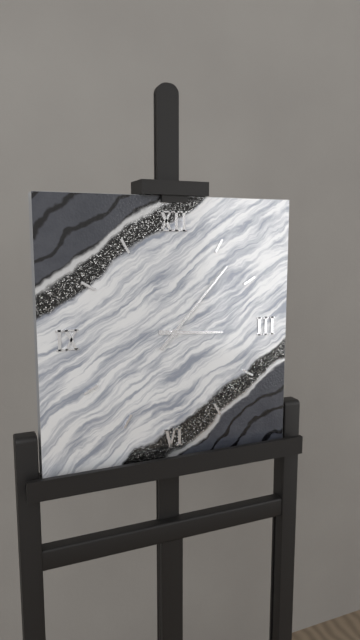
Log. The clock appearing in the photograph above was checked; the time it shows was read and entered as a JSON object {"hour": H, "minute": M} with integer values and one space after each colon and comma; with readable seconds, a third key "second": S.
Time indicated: {"hour": 3, "minute": 7}
